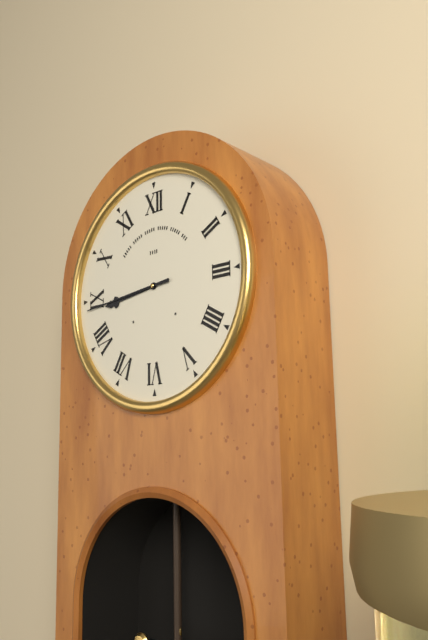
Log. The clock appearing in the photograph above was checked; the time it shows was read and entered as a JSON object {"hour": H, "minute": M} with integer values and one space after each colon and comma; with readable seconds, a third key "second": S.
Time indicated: {"hour": 8, "minute": 44}
